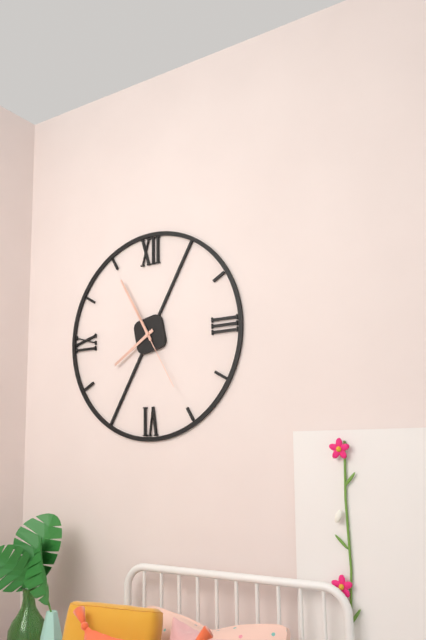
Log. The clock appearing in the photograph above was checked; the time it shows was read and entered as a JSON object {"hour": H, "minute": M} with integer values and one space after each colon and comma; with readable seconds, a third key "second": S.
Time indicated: {"hour": 7, "minute": 55, "second": 25}
